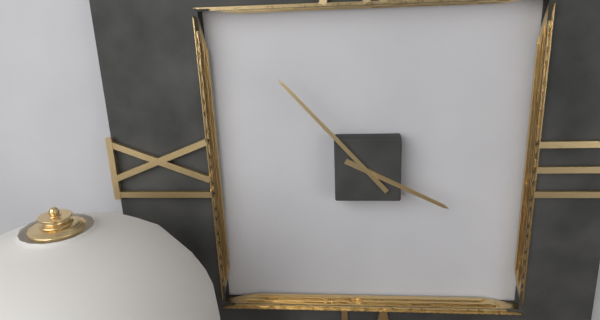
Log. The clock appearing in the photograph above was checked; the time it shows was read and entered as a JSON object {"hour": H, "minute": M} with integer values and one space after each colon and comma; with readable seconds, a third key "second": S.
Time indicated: {"hour": 3, "minute": 53}
